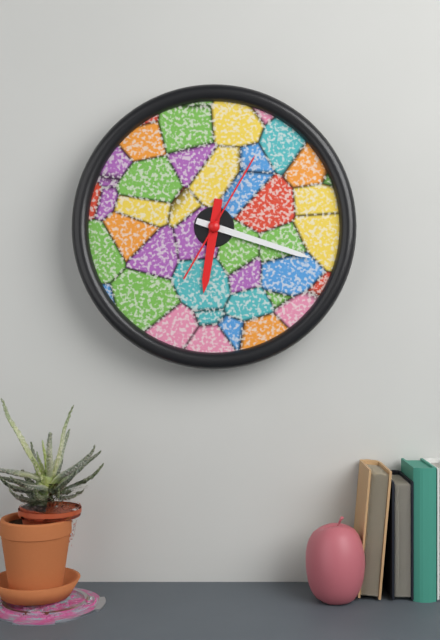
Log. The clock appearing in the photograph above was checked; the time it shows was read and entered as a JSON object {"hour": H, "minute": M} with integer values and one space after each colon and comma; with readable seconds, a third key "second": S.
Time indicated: {"hour": 6, "minute": 18, "second": 5}
